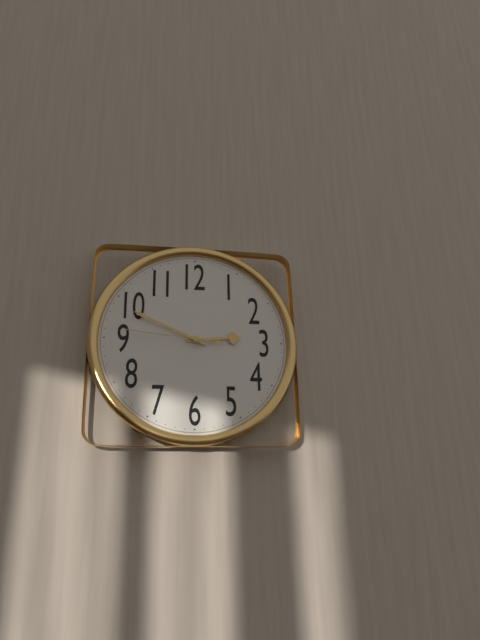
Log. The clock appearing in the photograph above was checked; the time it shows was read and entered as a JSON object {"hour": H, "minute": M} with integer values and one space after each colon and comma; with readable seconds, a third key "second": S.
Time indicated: {"hour": 2, "minute": 49, "second": 46}
